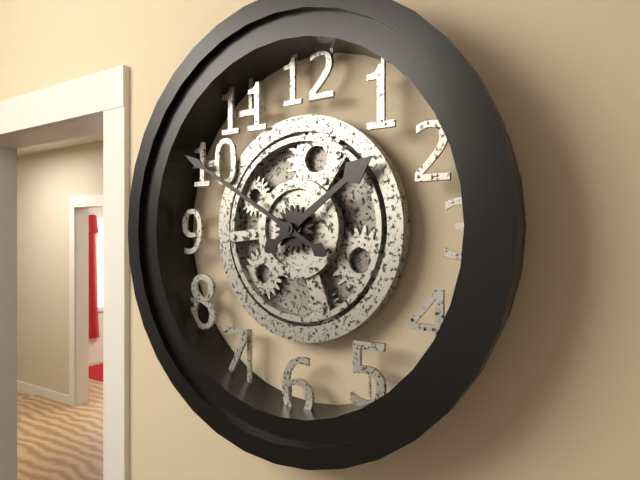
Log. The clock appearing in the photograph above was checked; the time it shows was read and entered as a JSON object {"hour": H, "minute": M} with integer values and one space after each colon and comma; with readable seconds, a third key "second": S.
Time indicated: {"hour": 1, "minute": 50}
